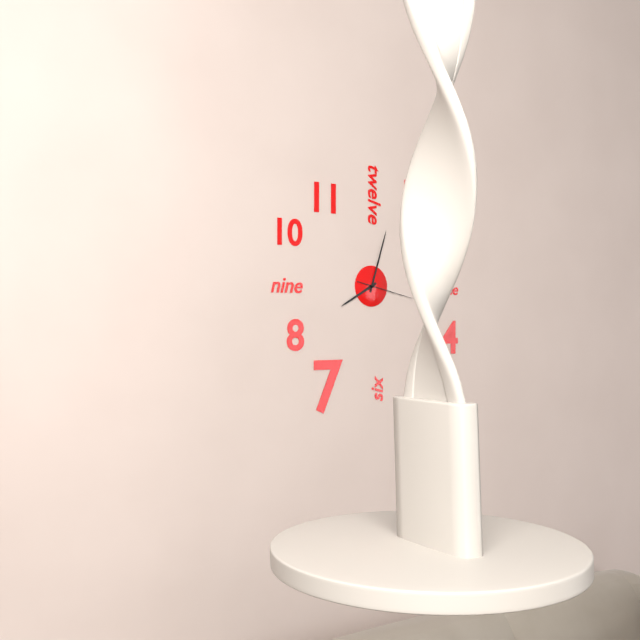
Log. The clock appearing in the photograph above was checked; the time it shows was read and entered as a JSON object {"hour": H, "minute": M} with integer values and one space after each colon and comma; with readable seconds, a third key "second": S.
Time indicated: {"hour": 8, "minute": 3, "second": 17}
